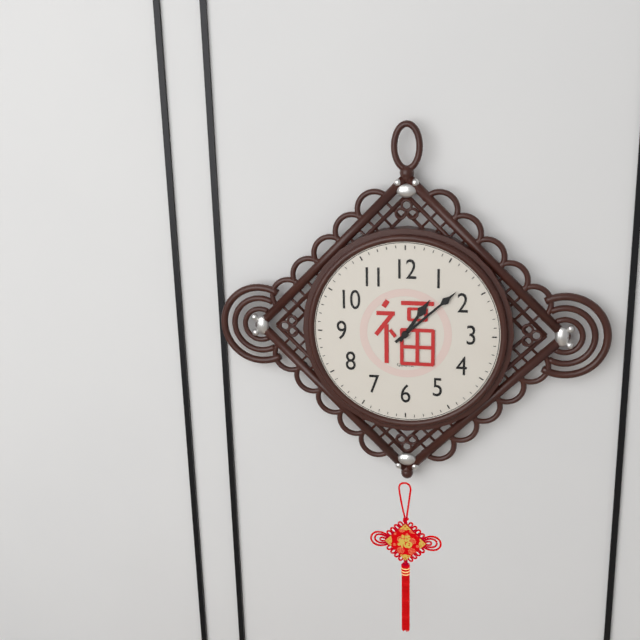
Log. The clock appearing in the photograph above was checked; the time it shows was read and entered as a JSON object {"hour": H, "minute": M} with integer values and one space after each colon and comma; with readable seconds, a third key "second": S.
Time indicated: {"hour": 1, "minute": 8}
